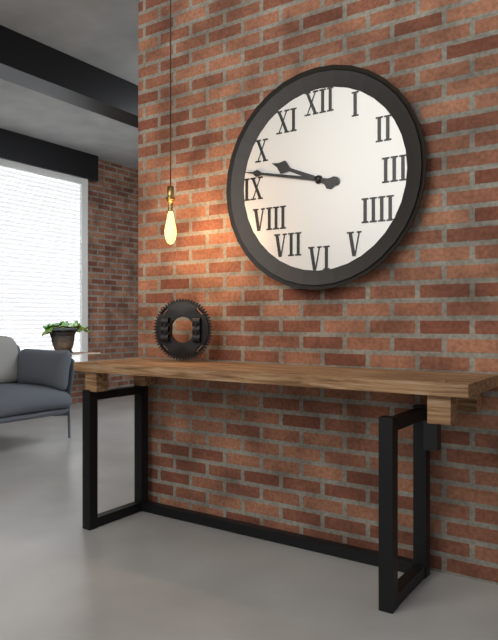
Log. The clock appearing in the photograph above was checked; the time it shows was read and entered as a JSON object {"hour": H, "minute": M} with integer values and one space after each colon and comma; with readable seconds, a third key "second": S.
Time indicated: {"hour": 9, "minute": 47}
